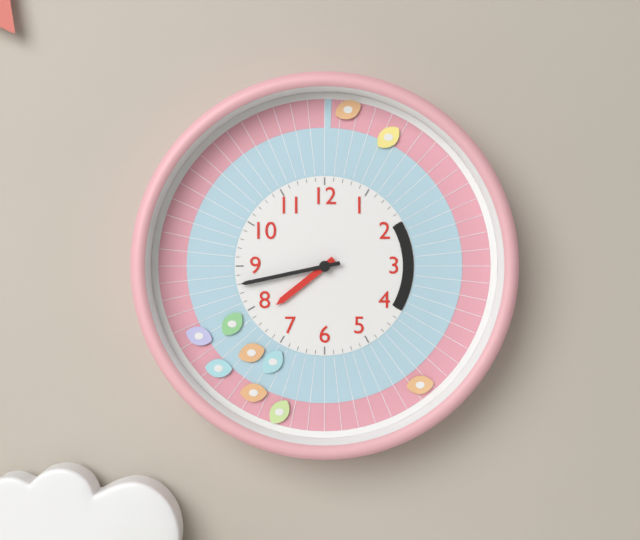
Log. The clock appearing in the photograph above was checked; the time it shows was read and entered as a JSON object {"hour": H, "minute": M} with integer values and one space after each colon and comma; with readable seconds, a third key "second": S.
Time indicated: {"hour": 7, "minute": 43}
